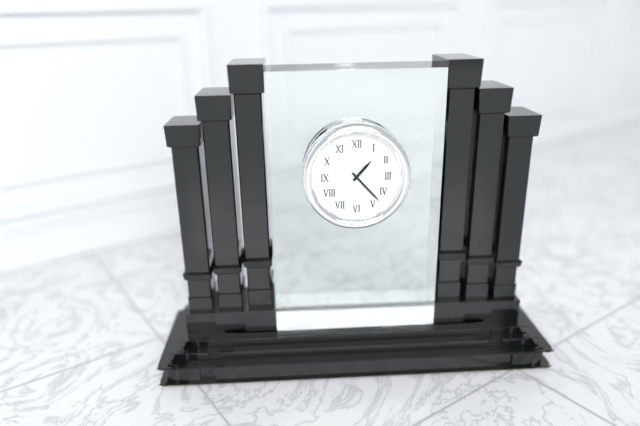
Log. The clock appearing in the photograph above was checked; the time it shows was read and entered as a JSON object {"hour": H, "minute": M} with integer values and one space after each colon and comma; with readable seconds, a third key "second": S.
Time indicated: {"hour": 1, "minute": 23}
